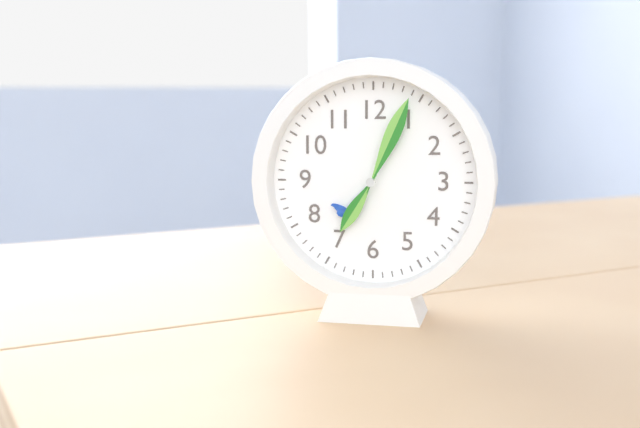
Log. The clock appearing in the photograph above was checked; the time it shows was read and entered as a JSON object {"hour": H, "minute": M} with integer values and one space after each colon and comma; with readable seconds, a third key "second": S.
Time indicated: {"hour": 7, "minute": 4}
